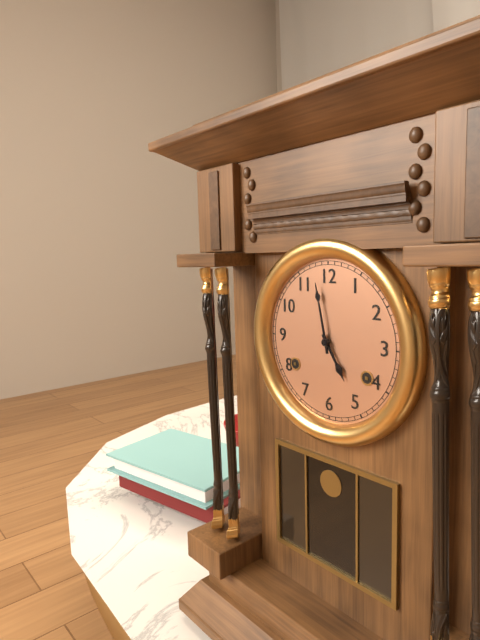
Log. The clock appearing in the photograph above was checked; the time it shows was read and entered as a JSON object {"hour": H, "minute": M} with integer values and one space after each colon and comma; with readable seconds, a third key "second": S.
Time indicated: {"hour": 4, "minute": 58}
